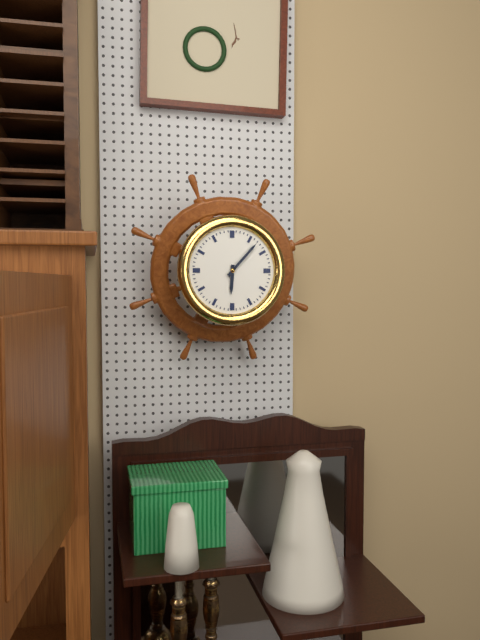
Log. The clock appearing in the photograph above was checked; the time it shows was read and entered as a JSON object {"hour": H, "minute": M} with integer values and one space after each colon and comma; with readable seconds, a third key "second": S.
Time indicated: {"hour": 6, "minute": 7}
